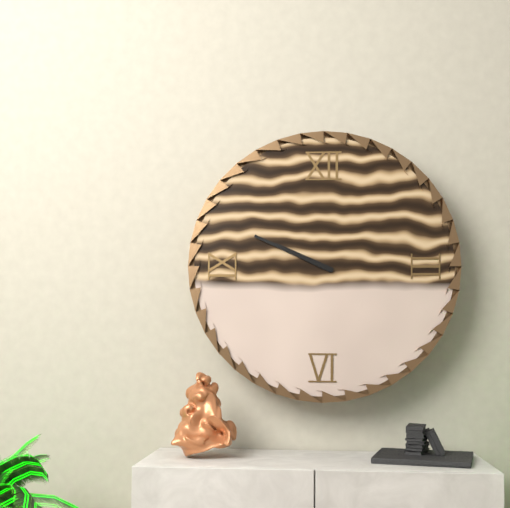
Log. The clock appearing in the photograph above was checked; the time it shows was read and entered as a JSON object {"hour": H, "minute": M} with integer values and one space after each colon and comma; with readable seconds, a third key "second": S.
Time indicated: {"hour": 9, "minute": 49}
